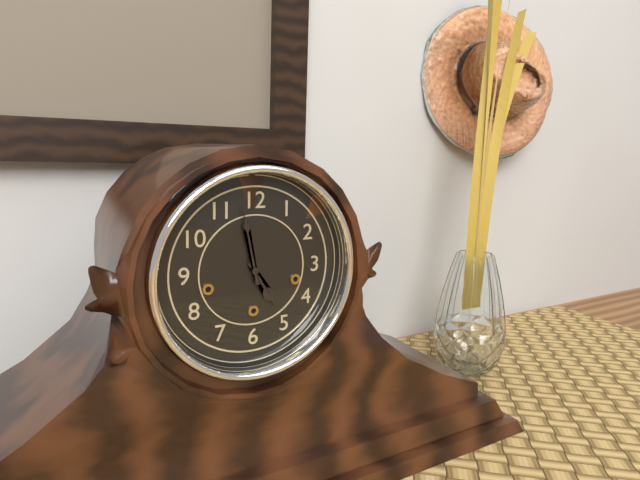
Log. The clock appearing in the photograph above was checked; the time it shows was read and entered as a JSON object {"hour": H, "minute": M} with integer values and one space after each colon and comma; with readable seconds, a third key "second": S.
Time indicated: {"hour": 4, "minute": 58}
